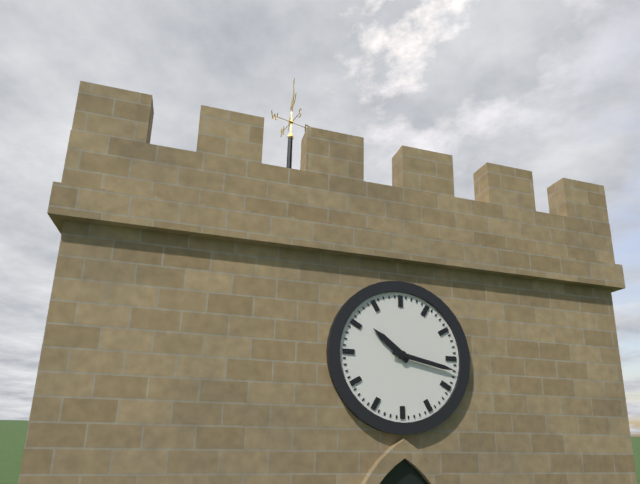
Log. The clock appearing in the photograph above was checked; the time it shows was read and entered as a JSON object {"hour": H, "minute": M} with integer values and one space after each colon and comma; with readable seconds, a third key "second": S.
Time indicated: {"hour": 10, "minute": 17}
